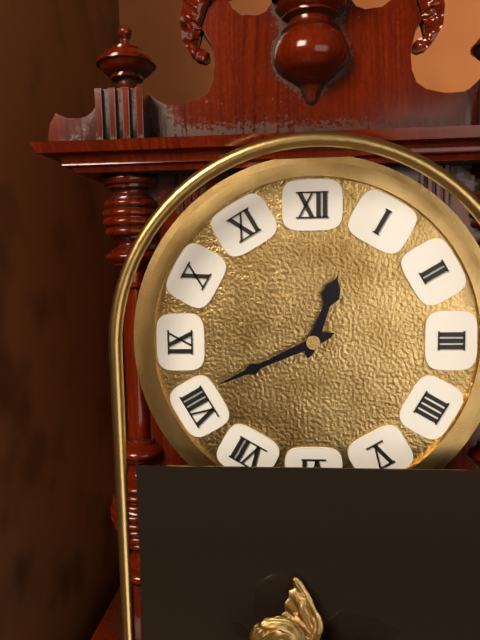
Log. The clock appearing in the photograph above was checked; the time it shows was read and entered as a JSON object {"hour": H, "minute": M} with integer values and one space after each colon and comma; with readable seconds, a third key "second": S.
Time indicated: {"hour": 12, "minute": 41}
